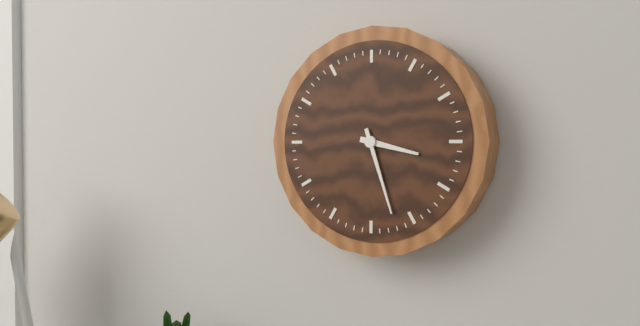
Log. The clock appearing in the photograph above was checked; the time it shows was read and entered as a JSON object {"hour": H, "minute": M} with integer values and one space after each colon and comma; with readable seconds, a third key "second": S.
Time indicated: {"hour": 3, "minute": 27}
